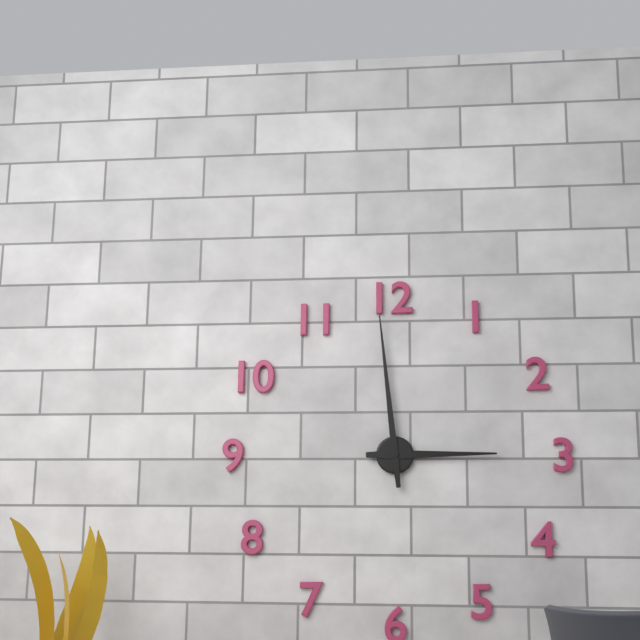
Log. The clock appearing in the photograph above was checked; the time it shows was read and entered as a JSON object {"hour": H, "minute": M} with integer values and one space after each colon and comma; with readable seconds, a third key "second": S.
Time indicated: {"hour": 2, "minute": 59}
